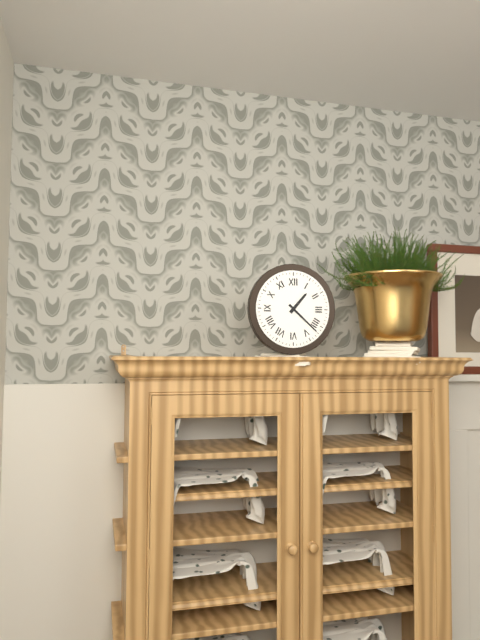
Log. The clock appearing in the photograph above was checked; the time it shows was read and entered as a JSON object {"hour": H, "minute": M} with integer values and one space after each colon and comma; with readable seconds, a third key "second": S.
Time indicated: {"hour": 1, "minute": 22}
